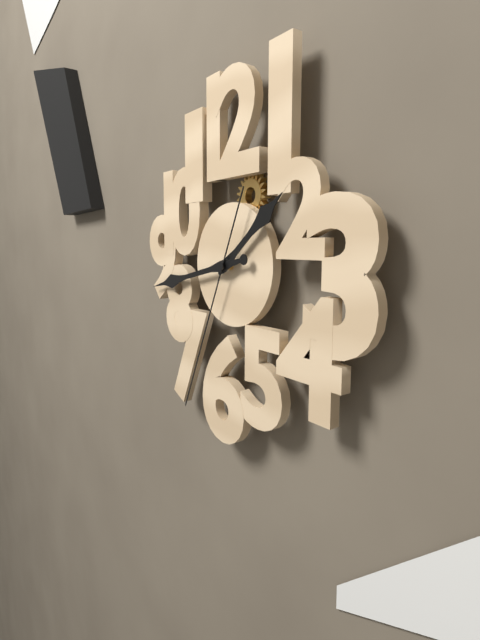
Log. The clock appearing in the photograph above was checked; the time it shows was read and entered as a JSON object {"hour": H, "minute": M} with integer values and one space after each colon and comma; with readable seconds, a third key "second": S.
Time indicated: {"hour": 1, "minute": 43, "second": 34}
